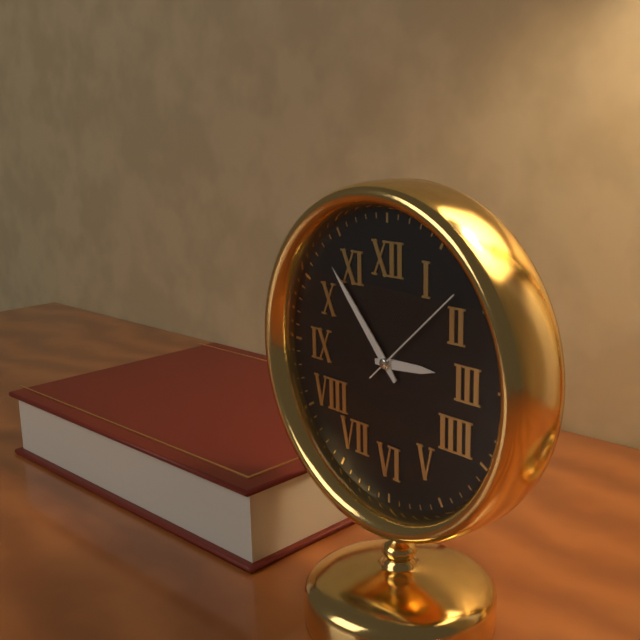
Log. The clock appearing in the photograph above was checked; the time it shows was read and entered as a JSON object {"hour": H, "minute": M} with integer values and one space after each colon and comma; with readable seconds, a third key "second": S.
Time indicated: {"hour": 2, "minute": 53, "second": 8}
